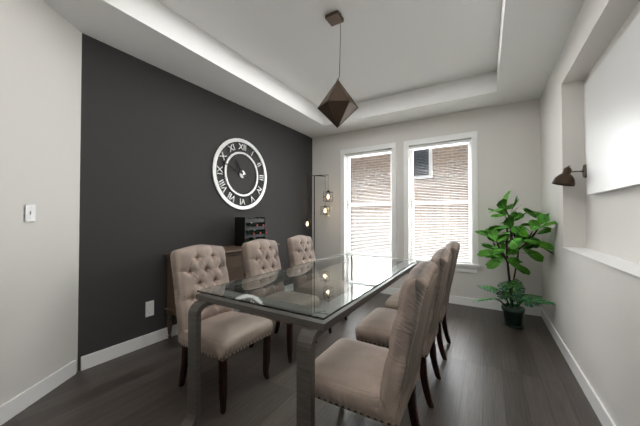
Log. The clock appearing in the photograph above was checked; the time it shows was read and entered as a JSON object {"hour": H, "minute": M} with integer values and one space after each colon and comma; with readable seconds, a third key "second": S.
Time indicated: {"hour": 10, "minute": 48}
